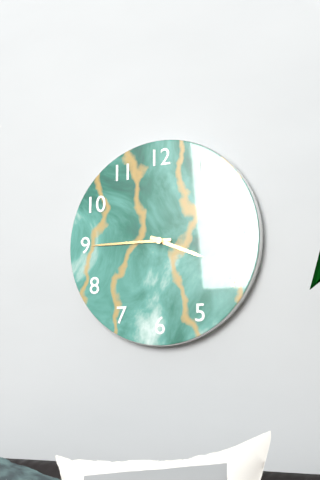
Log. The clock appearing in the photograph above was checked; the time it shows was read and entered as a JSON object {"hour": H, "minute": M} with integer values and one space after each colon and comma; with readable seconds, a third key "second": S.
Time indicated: {"hour": 3, "minute": 45}
